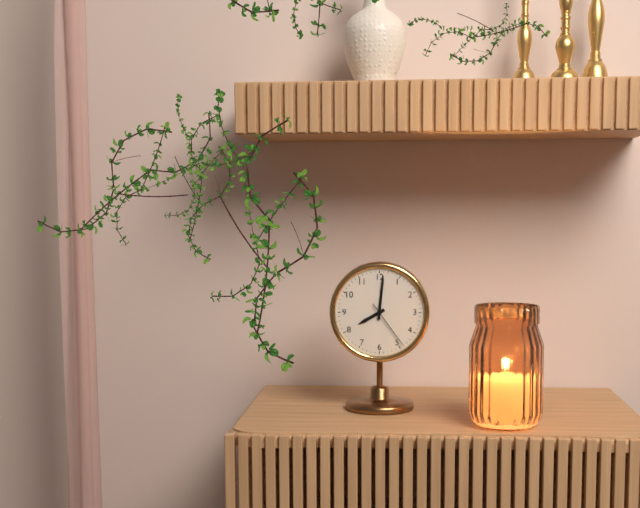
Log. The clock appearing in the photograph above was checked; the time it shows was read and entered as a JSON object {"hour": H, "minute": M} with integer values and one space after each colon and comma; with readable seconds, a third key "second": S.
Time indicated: {"hour": 8, "minute": 1}
